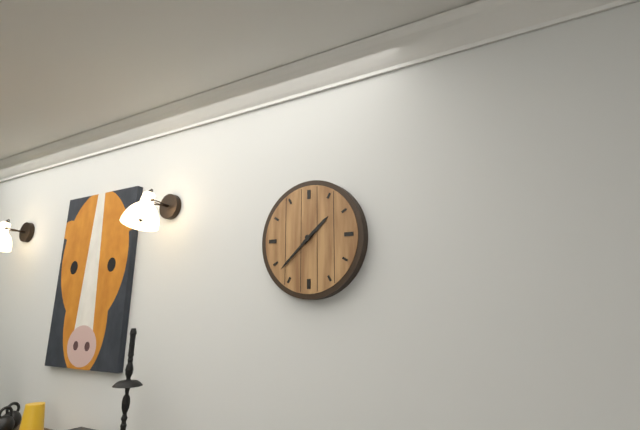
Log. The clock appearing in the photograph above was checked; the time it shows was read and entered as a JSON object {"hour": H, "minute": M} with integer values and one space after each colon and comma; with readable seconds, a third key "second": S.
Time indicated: {"hour": 1, "minute": 38}
